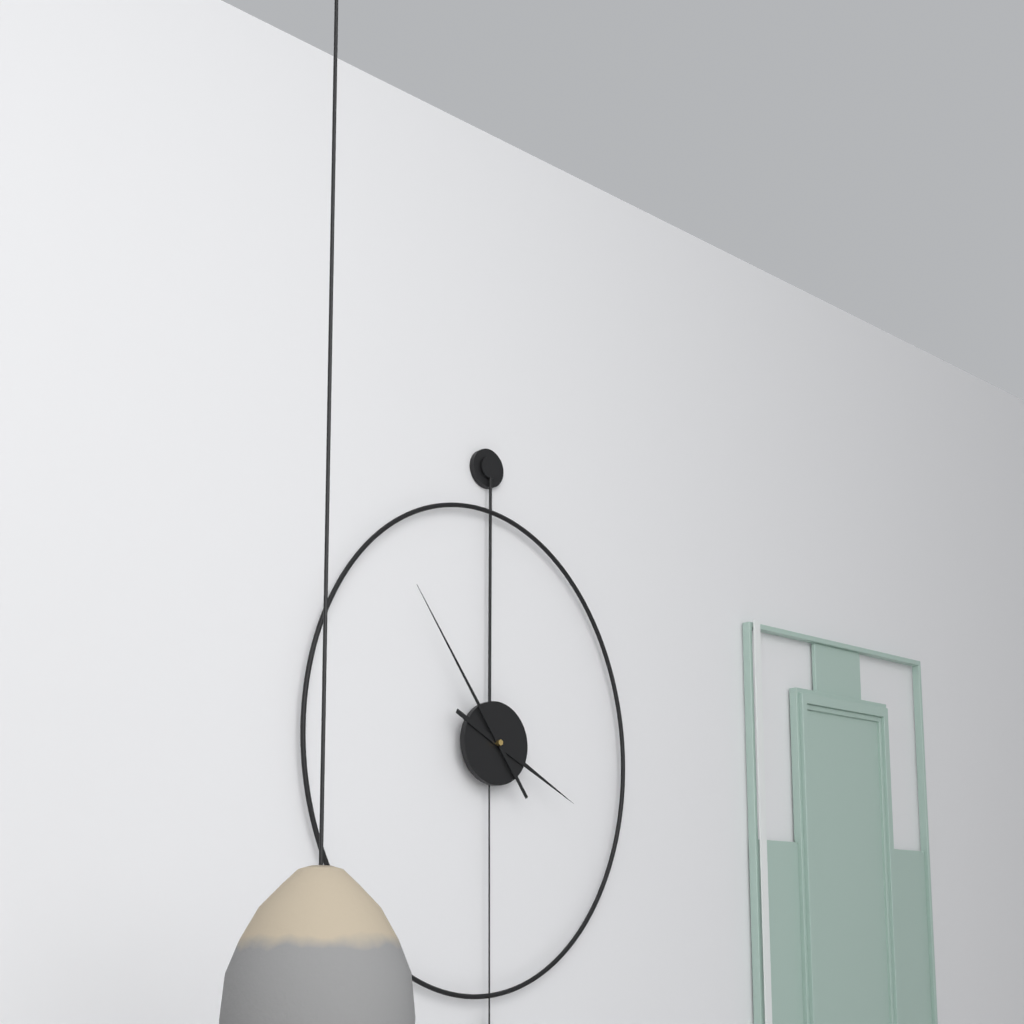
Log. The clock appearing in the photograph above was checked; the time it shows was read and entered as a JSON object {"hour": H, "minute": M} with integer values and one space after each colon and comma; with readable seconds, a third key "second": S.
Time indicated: {"hour": 3, "minute": 54}
